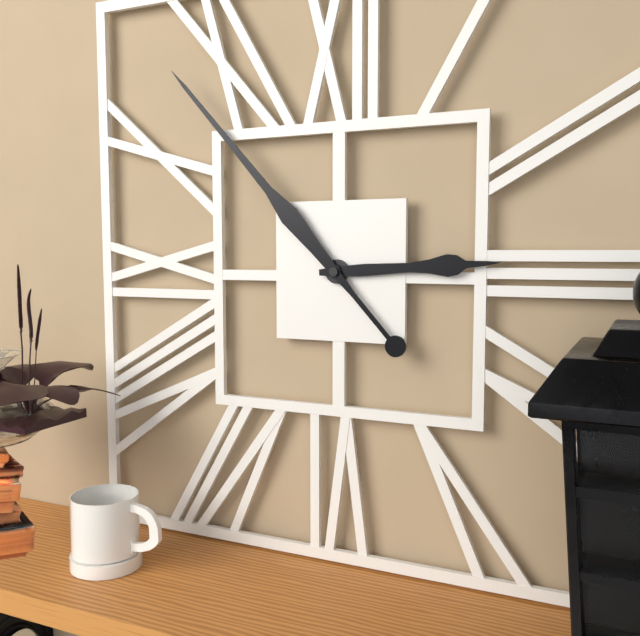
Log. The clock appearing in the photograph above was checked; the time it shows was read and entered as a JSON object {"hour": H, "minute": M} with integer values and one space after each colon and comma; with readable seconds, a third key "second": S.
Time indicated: {"hour": 2, "minute": 53}
